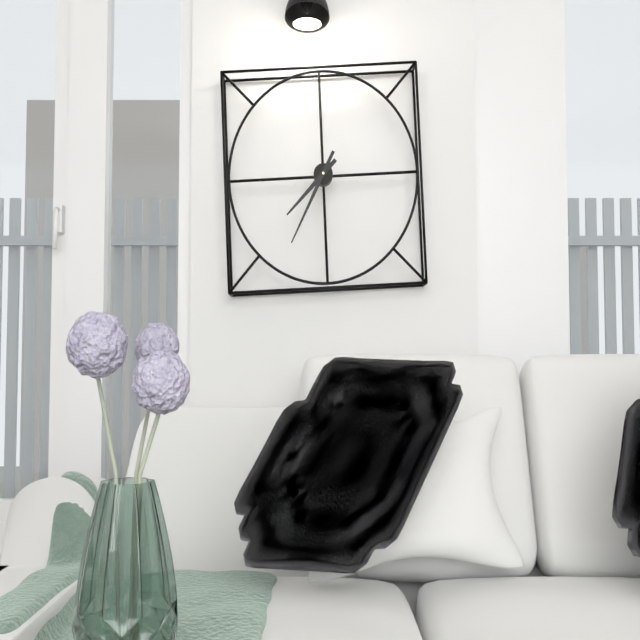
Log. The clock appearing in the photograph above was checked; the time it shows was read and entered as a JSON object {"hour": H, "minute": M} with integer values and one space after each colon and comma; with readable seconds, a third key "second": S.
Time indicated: {"hour": 7, "minute": 35}
